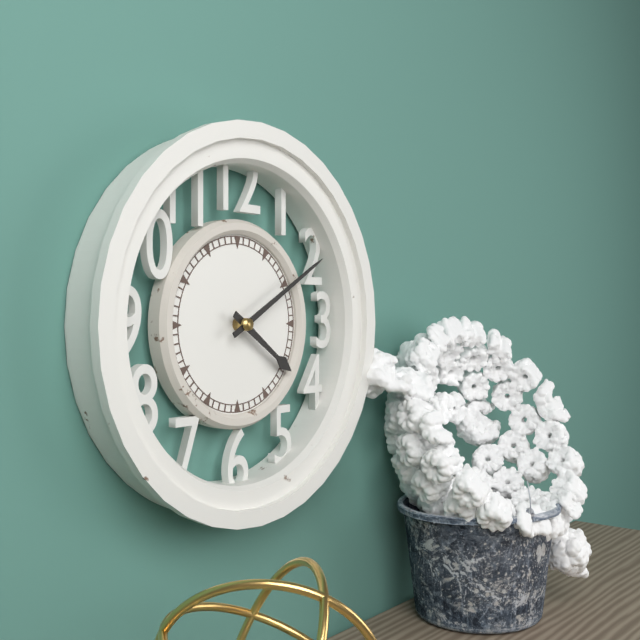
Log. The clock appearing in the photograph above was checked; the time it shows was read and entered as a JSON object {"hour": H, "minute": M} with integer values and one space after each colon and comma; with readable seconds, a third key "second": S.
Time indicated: {"hour": 4, "minute": 10}
